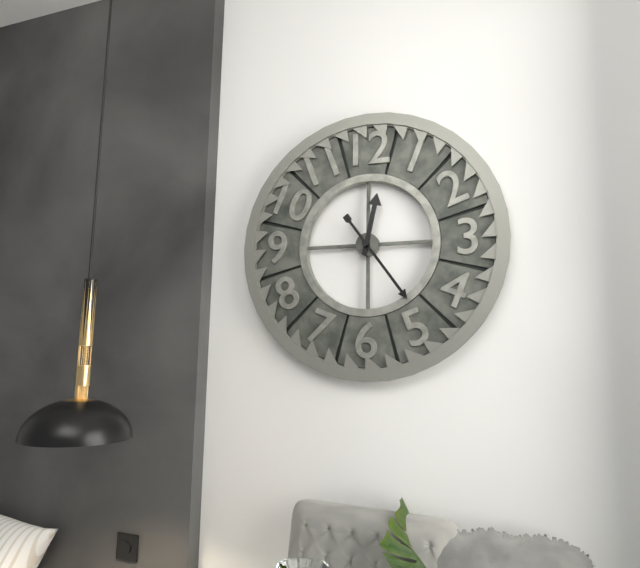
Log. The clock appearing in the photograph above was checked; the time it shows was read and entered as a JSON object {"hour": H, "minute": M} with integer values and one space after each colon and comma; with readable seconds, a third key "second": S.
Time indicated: {"hour": 12, "minute": 24}
